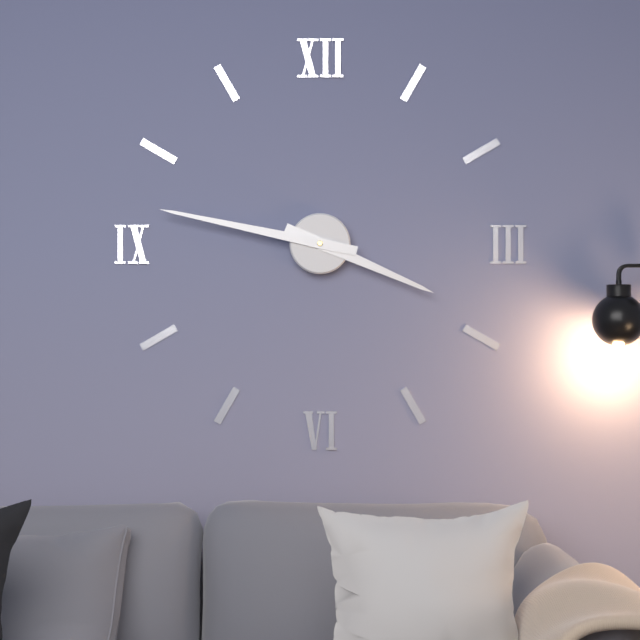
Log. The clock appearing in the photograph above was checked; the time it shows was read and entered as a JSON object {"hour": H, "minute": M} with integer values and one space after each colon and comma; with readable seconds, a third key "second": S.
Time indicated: {"hour": 3, "minute": 47}
